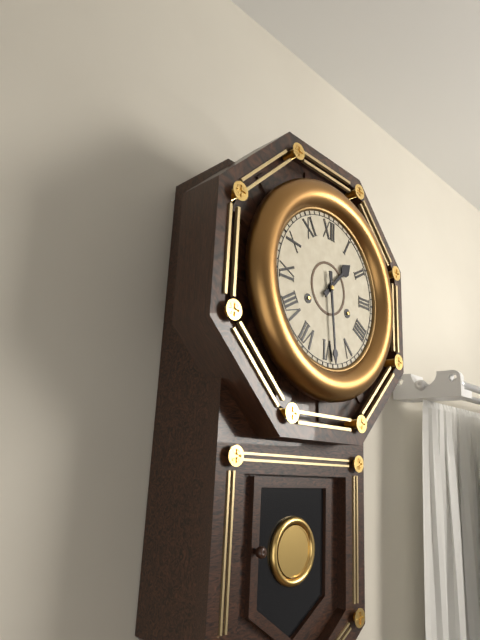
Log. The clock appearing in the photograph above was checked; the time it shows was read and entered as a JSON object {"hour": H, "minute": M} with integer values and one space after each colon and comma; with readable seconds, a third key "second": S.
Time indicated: {"hour": 1, "minute": 29}
